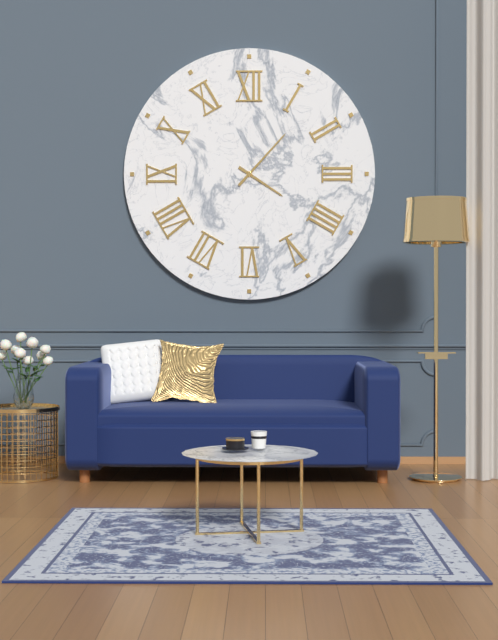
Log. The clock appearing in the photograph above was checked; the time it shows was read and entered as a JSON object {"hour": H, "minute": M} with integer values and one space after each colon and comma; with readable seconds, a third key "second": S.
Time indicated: {"hour": 4, "minute": 7}
